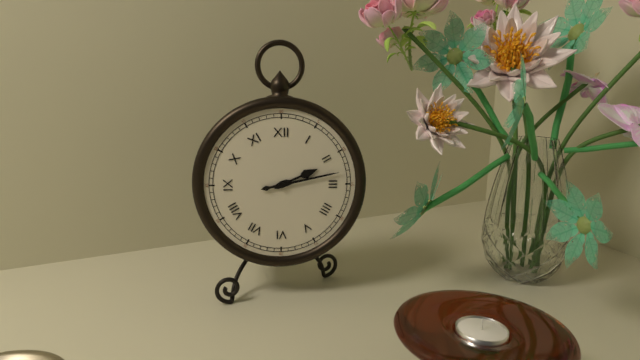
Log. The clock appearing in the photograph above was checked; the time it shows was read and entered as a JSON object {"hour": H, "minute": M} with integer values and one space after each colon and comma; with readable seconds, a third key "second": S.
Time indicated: {"hour": 2, "minute": 13}
